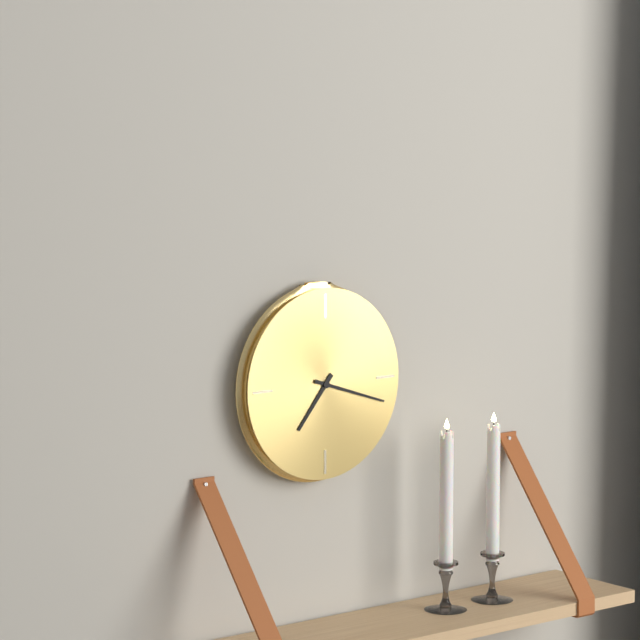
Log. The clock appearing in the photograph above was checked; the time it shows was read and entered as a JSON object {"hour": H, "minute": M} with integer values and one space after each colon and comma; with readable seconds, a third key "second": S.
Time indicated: {"hour": 7, "minute": 18}
